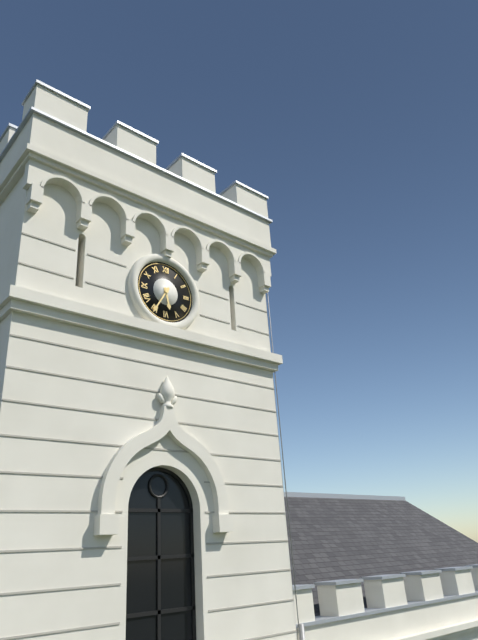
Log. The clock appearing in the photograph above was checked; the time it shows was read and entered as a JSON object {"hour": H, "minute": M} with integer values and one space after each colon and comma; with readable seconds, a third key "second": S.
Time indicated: {"hour": 5, "minute": 35}
